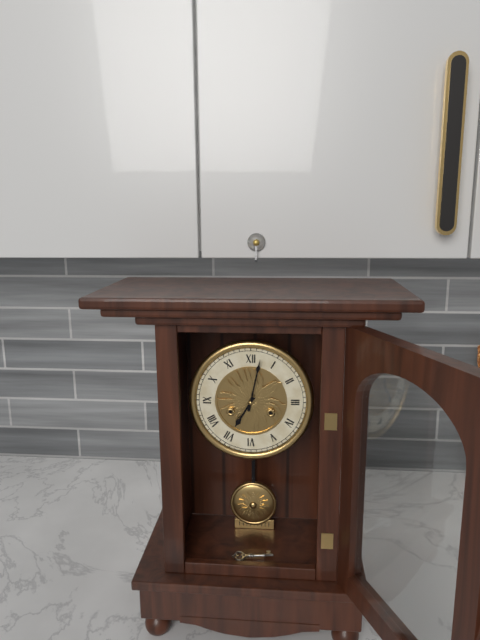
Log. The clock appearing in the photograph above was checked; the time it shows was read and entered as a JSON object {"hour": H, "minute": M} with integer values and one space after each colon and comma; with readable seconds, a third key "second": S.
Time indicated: {"hour": 7, "minute": 2}
